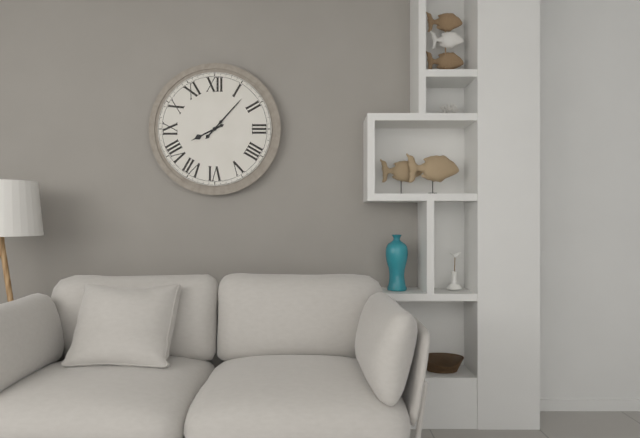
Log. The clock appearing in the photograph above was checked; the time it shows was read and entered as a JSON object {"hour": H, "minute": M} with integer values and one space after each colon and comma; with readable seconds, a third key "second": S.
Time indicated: {"hour": 8, "minute": 7}
